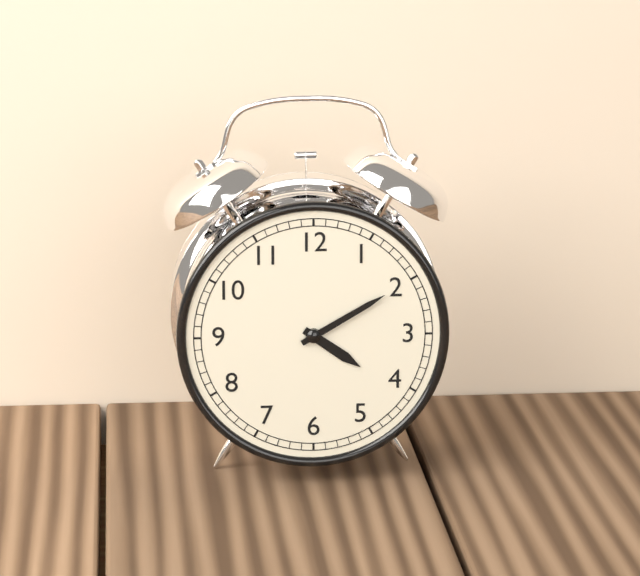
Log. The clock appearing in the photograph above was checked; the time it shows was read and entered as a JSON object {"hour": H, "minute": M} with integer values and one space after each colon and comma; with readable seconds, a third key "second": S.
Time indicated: {"hour": 4, "minute": 10}
